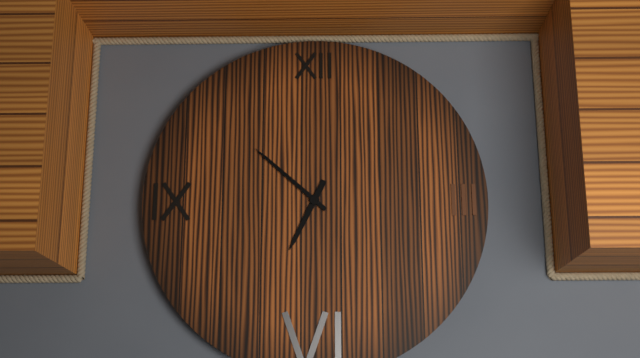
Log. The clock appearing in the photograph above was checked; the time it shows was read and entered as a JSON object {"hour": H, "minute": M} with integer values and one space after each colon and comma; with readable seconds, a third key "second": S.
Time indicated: {"hour": 6, "minute": 52}
